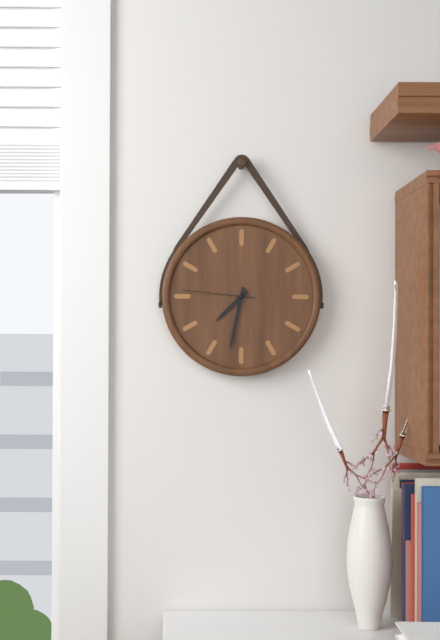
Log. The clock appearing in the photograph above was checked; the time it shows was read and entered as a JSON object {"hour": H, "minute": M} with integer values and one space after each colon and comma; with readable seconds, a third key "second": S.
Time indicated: {"hour": 7, "minute": 32, "second": 46}
